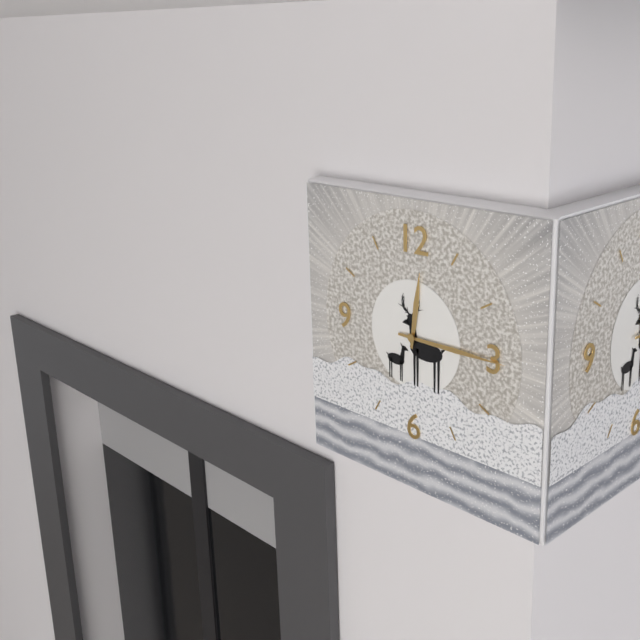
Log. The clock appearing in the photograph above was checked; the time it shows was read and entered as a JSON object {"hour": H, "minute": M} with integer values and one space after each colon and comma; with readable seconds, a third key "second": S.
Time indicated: {"hour": 12, "minute": 15}
